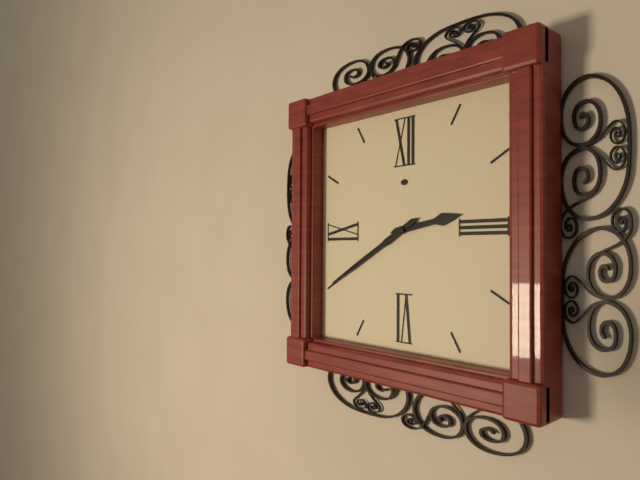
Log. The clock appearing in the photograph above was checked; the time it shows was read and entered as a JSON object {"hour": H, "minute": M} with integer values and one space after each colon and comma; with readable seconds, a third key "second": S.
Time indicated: {"hour": 2, "minute": 40}
